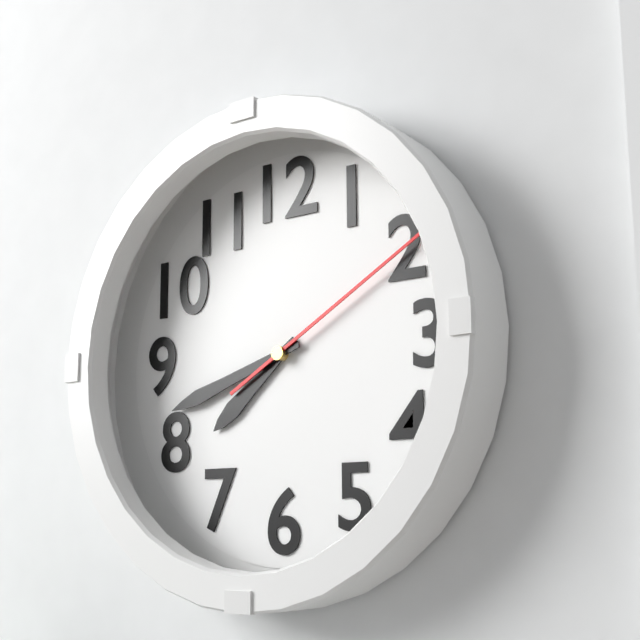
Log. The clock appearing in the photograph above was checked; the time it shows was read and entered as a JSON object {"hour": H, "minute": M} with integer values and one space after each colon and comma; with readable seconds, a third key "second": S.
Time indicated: {"hour": 7, "minute": 42, "second": 10}
